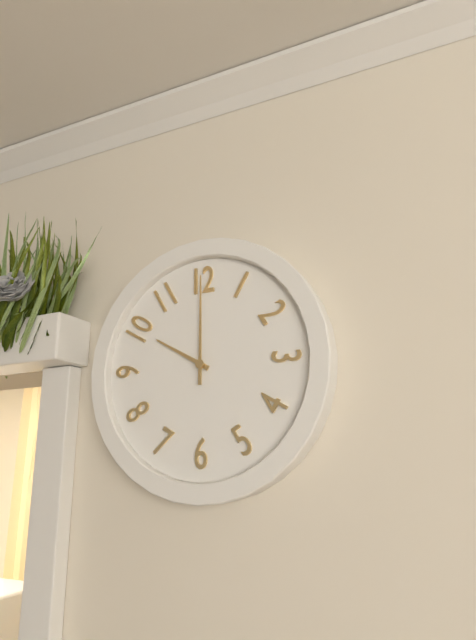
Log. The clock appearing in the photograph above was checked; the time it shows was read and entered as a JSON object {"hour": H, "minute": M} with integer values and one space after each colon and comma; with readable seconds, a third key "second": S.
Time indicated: {"hour": 10, "minute": 0}
